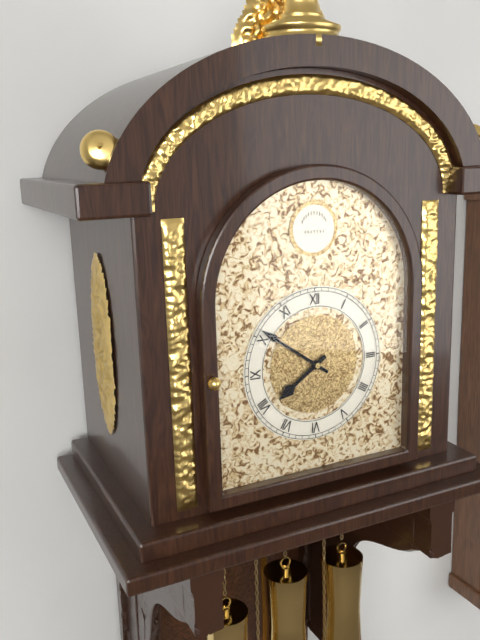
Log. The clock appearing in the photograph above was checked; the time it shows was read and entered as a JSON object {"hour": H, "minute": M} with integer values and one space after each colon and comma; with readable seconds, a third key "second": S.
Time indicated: {"hour": 7, "minute": 51}
